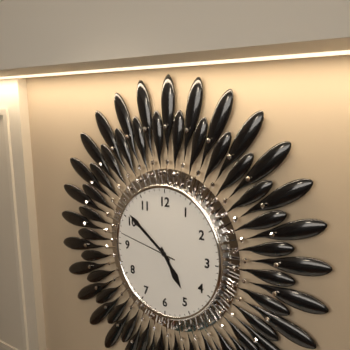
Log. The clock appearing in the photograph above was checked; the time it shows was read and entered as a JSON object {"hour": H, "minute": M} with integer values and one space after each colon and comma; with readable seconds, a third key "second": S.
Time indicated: {"hour": 4, "minute": 51, "second": 47}
